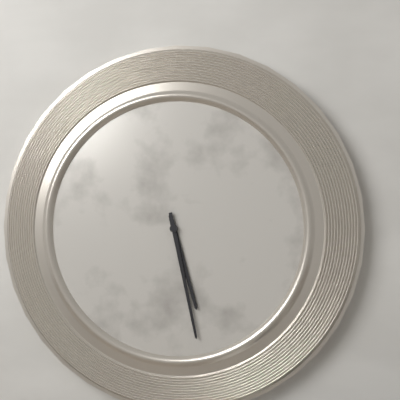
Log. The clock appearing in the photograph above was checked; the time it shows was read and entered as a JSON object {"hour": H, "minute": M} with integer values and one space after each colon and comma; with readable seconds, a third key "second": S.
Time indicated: {"hour": 5, "minute": 28}
